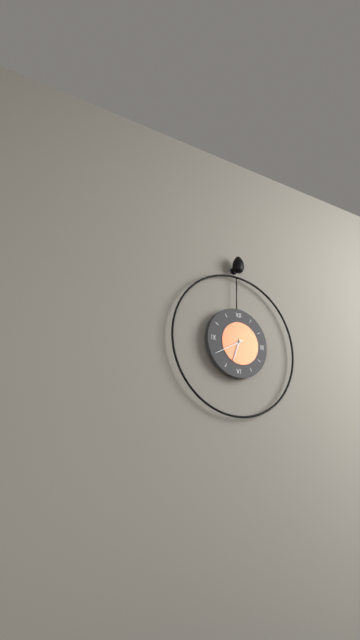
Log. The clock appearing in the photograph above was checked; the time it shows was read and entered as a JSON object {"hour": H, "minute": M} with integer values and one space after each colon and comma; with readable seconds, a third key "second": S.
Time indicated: {"hour": 6, "minute": 40}
